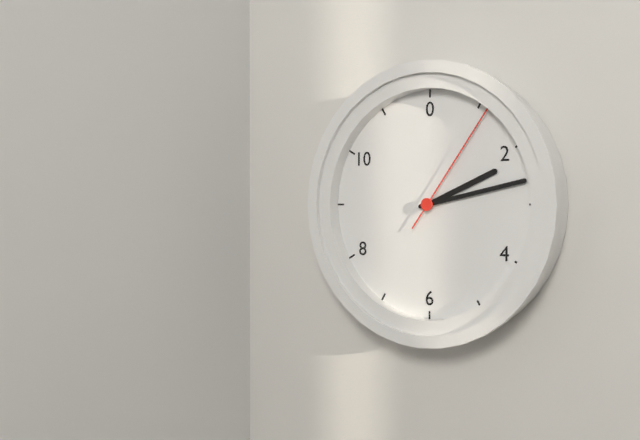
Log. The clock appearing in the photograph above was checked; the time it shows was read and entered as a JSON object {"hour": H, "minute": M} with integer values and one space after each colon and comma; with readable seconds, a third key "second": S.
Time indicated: {"hour": 2, "minute": 13, "second": 6}
